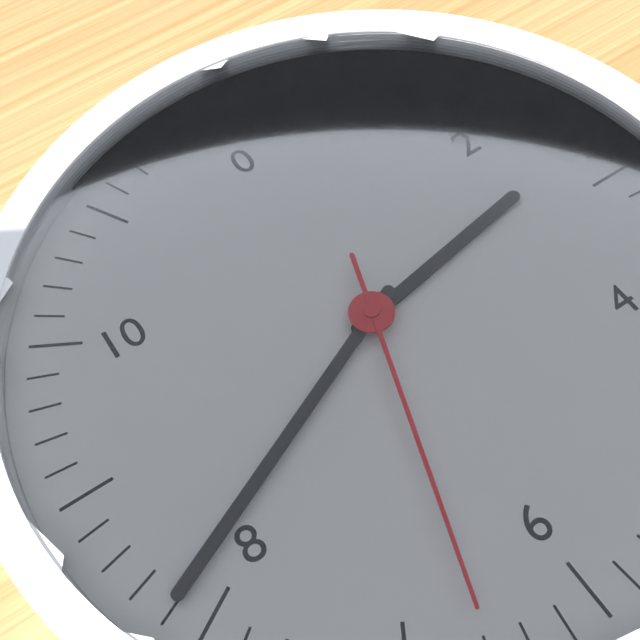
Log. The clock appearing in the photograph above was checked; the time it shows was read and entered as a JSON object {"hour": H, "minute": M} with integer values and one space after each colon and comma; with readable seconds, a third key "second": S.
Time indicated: {"hour": 2, "minute": 41, "second": 33}
